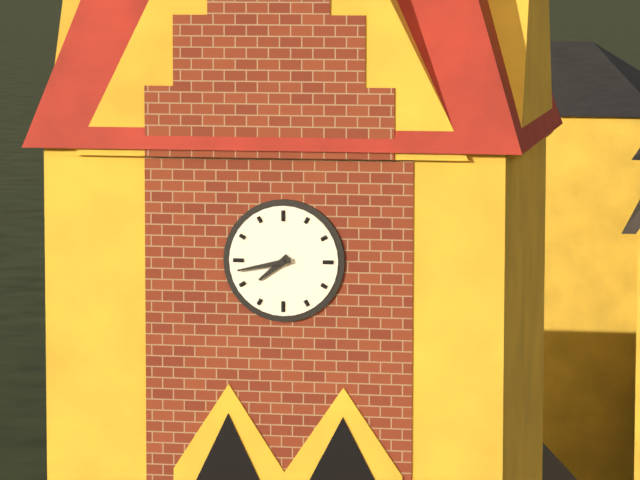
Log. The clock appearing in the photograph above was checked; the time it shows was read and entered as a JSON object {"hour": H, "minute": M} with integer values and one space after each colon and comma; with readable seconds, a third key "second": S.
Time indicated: {"hour": 7, "minute": 43}
